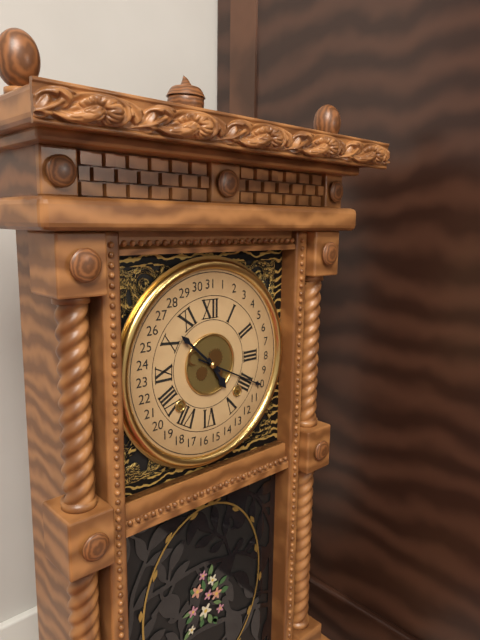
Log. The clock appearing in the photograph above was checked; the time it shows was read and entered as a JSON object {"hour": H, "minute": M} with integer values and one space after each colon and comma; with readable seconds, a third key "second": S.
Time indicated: {"hour": 4, "minute": 52}
